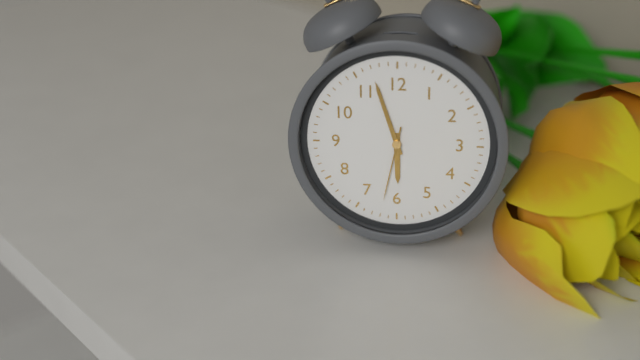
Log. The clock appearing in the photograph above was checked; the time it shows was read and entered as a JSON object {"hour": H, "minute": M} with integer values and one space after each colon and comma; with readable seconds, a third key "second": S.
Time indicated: {"hour": 5, "minute": 57, "second": 32}
